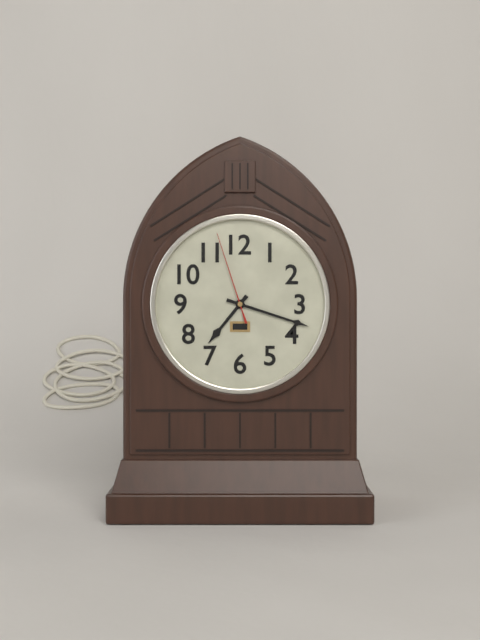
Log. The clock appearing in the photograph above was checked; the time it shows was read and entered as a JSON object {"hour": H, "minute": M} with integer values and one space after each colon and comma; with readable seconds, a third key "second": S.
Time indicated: {"hour": 7, "minute": 18, "second": 57}
